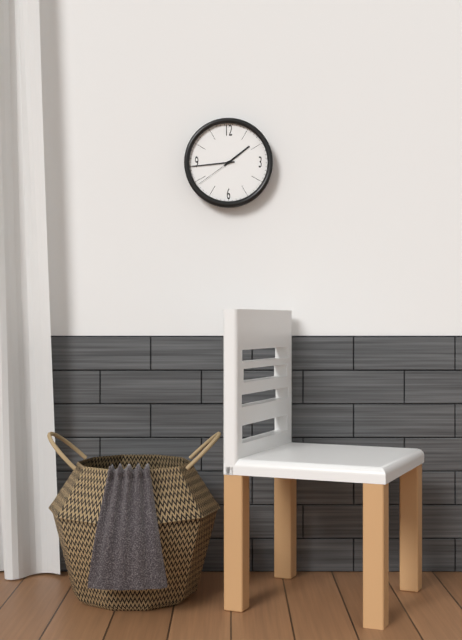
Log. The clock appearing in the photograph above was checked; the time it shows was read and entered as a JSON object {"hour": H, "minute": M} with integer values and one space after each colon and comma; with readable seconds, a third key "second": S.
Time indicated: {"hour": 1, "minute": 44}
